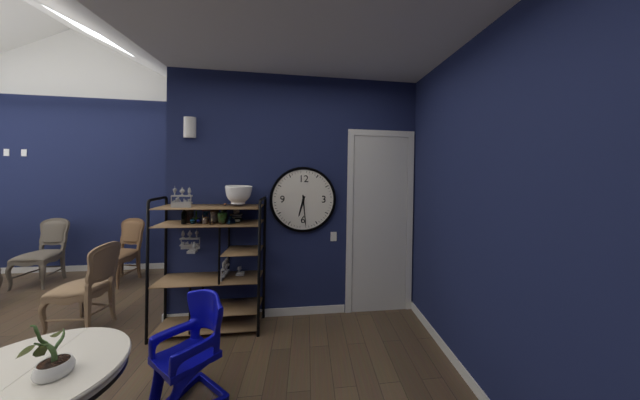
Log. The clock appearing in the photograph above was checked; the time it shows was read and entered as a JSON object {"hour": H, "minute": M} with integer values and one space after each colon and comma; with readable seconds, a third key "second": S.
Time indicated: {"hour": 6, "minute": 29}
